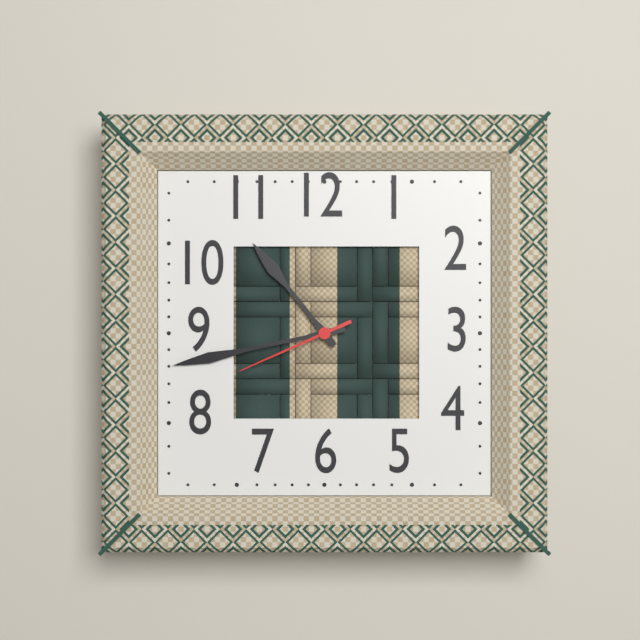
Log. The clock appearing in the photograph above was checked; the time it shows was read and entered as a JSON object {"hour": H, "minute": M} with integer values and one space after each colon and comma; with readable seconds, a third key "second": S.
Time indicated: {"hour": 10, "minute": 43, "second": 41}
